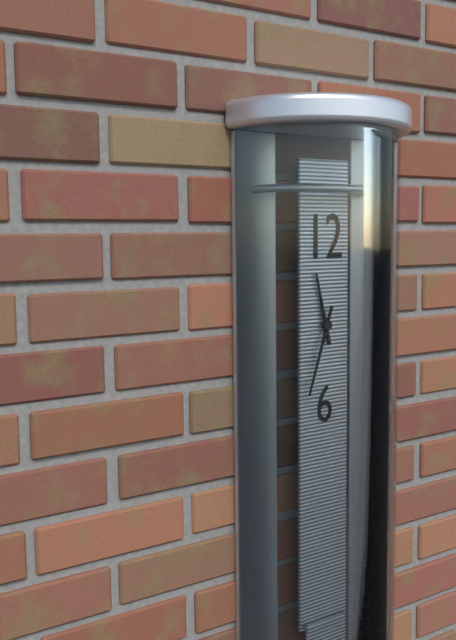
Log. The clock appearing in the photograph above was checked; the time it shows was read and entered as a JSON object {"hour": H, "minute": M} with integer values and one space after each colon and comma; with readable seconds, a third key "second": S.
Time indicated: {"hour": 11, "minute": 33}
